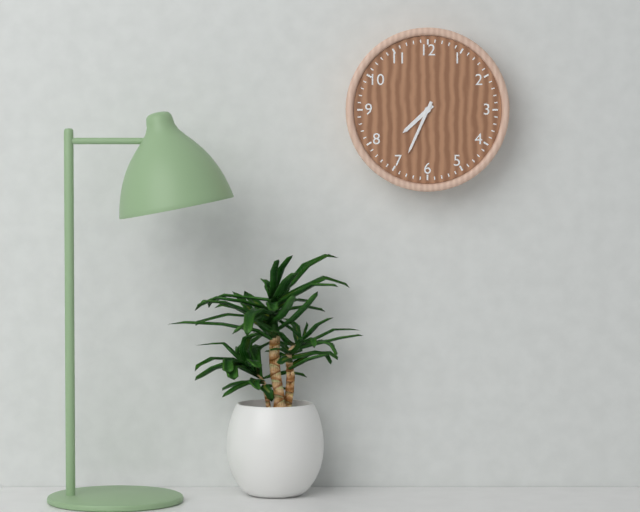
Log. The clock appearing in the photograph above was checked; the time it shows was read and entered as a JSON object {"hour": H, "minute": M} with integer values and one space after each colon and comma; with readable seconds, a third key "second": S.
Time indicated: {"hour": 7, "minute": 34}
